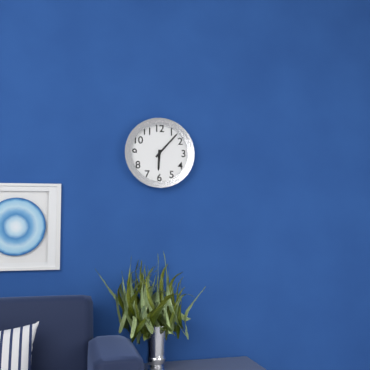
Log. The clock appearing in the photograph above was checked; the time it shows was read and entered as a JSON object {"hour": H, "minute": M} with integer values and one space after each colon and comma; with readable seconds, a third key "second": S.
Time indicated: {"hour": 6, "minute": 7}
